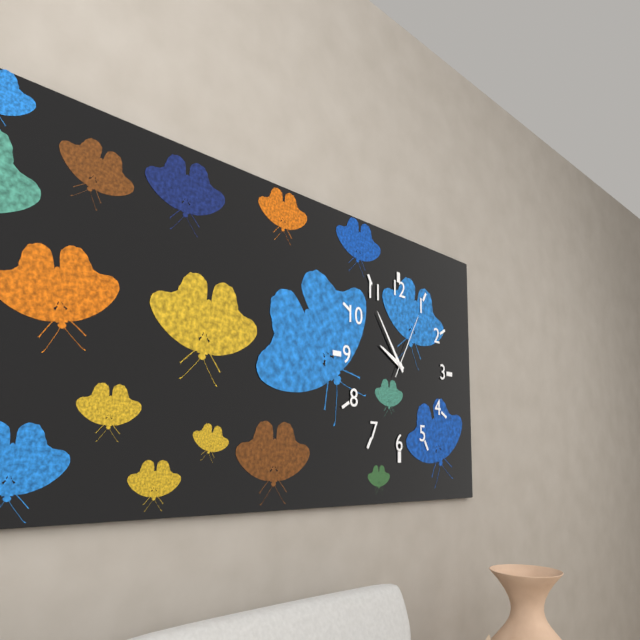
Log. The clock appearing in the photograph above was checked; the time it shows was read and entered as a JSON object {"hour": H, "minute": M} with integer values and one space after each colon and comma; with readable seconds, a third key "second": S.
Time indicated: {"hour": 9, "minute": 54, "second": 5}
